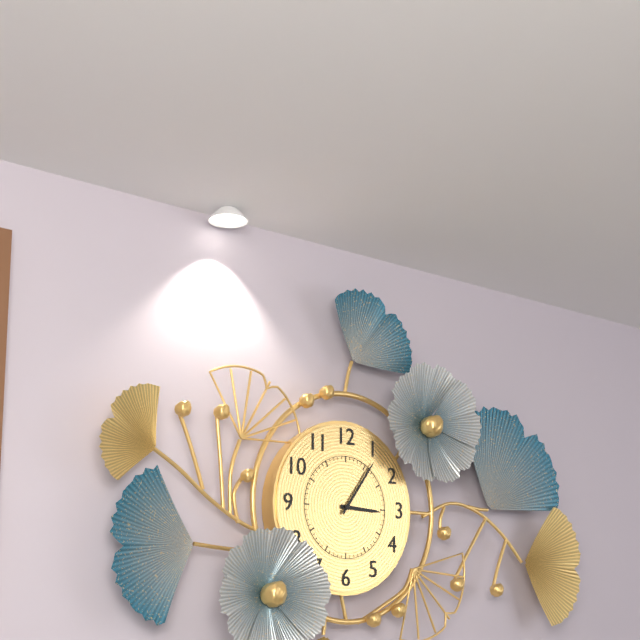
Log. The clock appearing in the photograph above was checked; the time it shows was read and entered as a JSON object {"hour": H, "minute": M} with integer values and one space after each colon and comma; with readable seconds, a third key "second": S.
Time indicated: {"hour": 3, "minute": 6}
